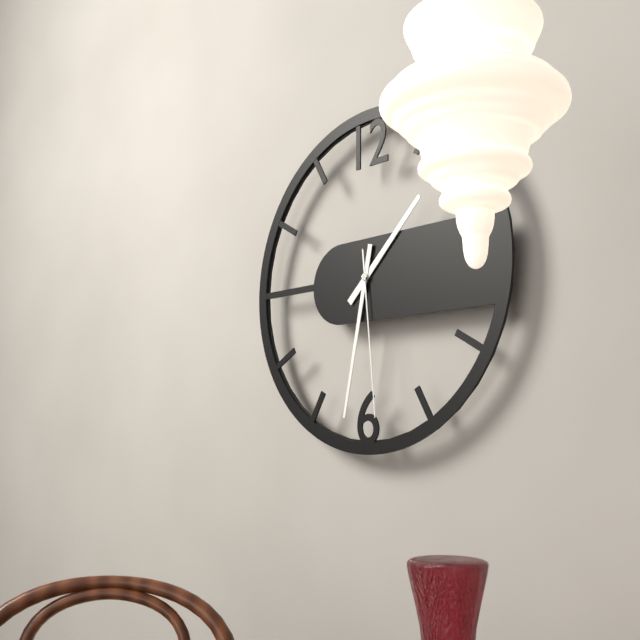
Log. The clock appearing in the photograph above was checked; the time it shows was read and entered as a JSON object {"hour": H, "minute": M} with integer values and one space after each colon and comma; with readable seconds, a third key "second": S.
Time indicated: {"hour": 1, "minute": 32, "second": 29}
